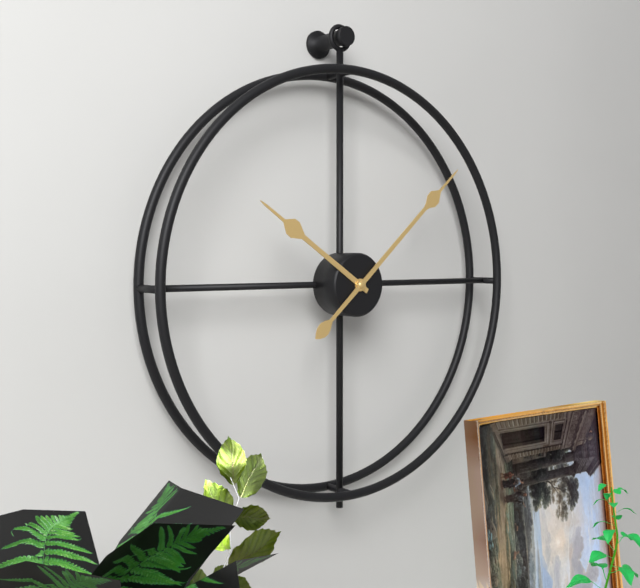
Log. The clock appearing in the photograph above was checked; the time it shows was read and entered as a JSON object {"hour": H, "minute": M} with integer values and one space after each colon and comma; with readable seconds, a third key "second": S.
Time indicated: {"hour": 10, "minute": 8}
